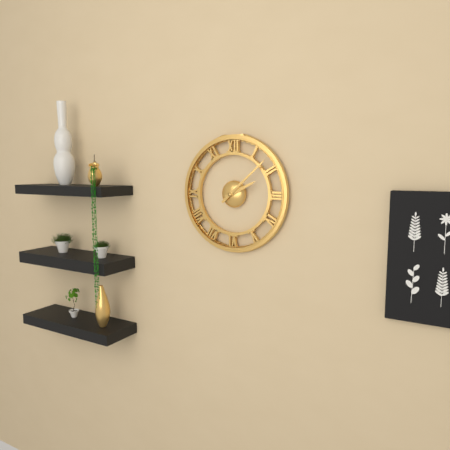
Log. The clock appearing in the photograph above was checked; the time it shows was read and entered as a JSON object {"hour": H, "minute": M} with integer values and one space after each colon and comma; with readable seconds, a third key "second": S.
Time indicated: {"hour": 2, "minute": 8}
